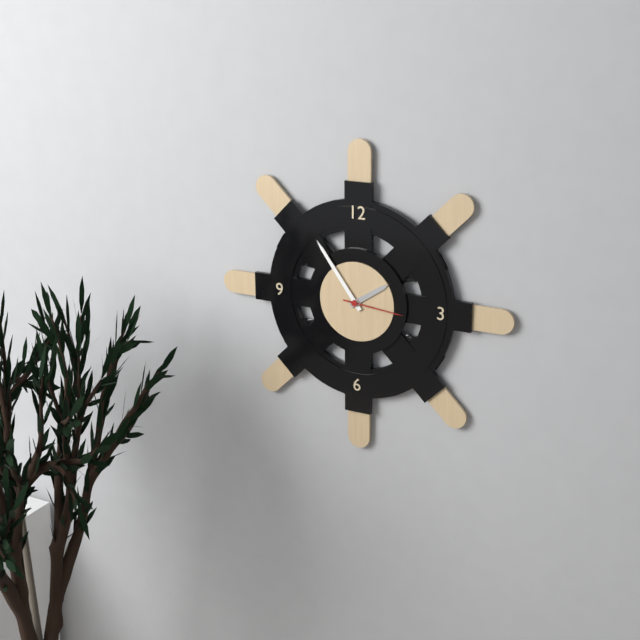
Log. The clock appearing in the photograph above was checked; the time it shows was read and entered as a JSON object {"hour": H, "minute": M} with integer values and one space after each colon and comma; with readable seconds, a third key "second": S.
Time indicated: {"hour": 1, "minute": 54, "second": 16}
